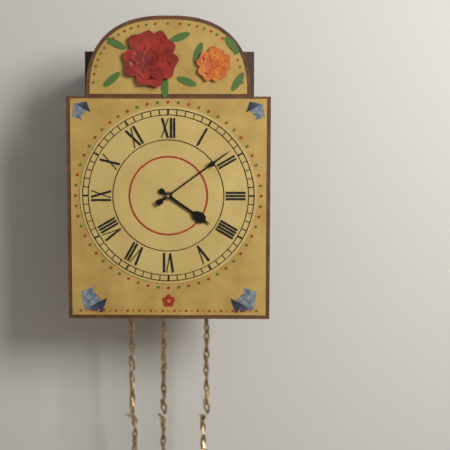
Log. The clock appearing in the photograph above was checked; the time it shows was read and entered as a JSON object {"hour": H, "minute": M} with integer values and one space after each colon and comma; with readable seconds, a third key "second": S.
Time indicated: {"hour": 4, "minute": 9}
